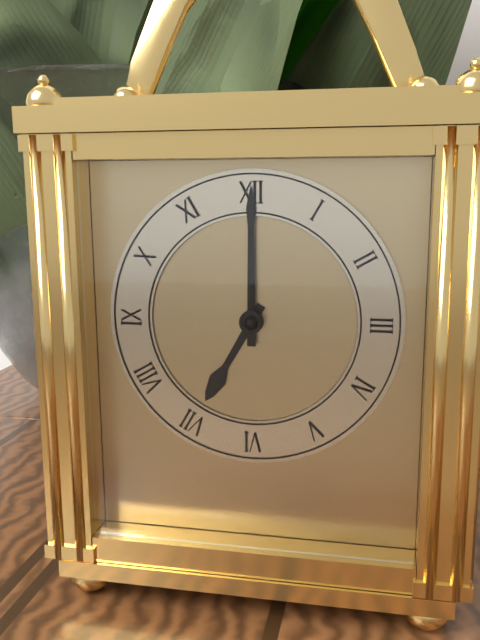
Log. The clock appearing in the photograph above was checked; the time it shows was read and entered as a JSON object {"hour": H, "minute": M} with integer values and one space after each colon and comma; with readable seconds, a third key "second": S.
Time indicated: {"hour": 7, "minute": 0}
